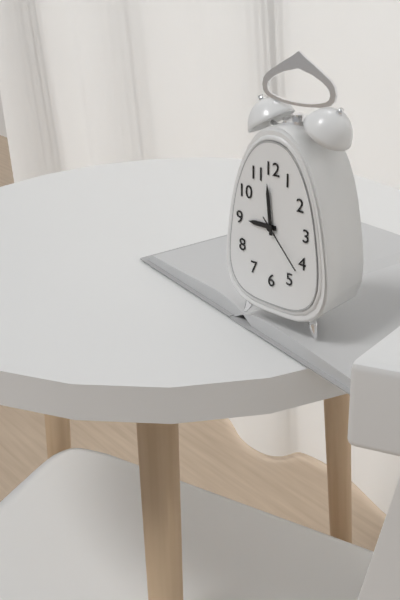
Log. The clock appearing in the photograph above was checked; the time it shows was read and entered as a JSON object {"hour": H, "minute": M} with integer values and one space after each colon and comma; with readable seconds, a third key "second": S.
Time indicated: {"hour": 8, "minute": 59, "second": 23}
